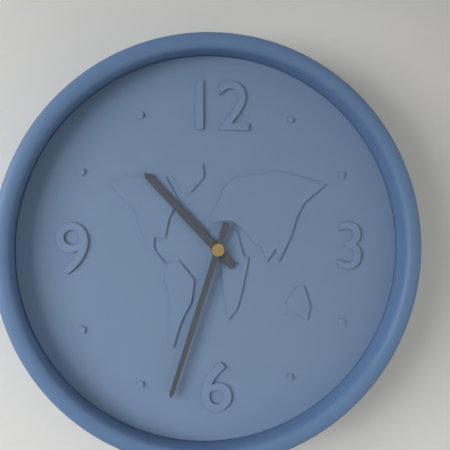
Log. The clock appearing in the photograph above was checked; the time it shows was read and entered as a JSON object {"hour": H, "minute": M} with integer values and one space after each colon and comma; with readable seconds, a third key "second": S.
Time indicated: {"hour": 10, "minute": 33}
